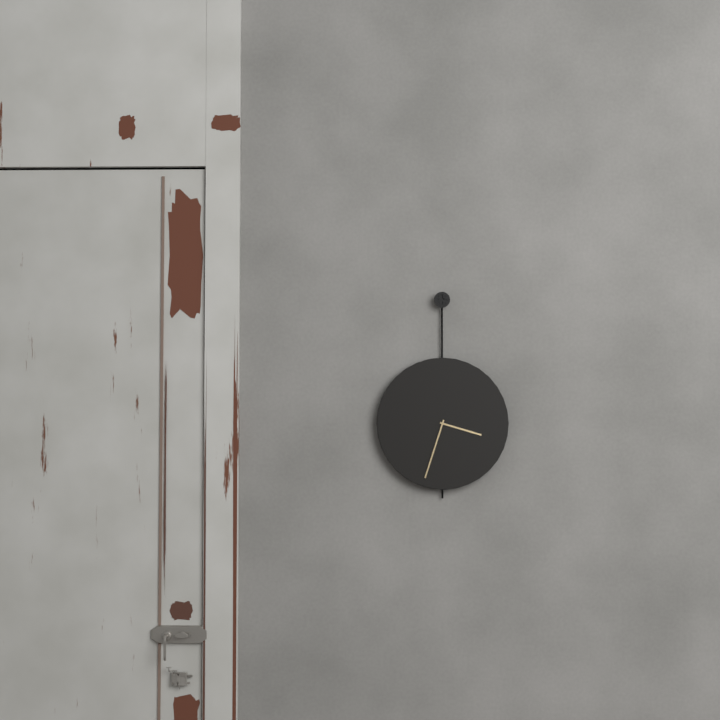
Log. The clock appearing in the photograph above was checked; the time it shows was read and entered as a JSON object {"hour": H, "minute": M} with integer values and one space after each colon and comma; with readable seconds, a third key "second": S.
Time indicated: {"hour": 3, "minute": 33}
